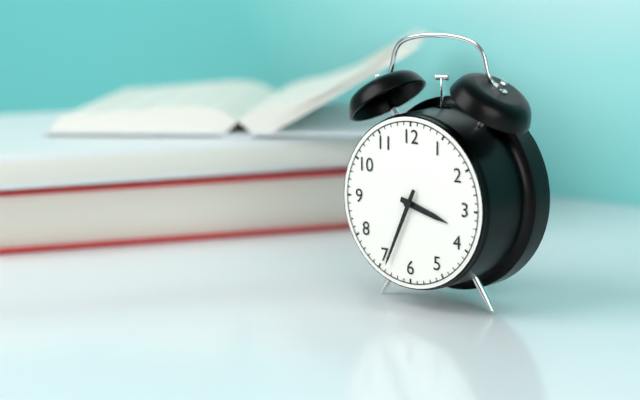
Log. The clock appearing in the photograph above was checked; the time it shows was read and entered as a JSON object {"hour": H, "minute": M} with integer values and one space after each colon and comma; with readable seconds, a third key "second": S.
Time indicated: {"hour": 3, "minute": 34}
